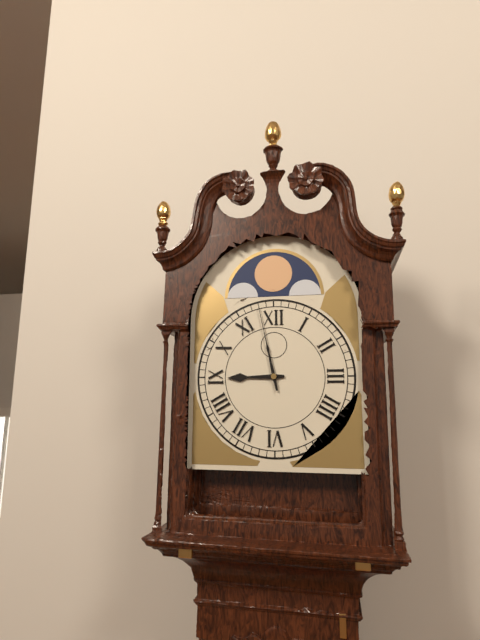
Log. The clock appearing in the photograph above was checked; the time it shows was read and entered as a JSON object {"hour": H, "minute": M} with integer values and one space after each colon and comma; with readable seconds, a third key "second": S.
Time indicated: {"hour": 8, "minute": 58}
